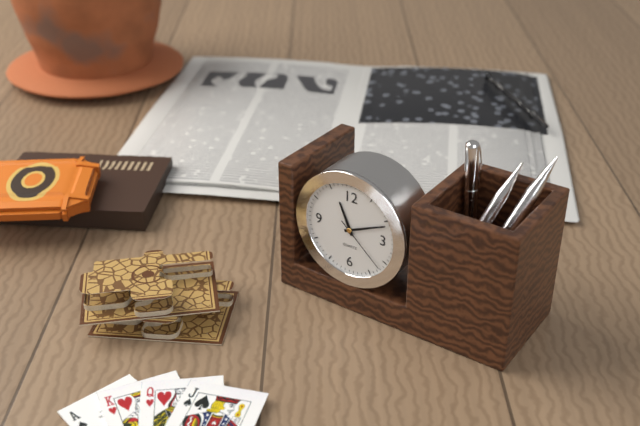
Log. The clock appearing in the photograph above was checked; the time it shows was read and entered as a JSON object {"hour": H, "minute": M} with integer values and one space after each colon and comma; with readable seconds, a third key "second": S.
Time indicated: {"hour": 11, "minute": 11, "second": 22}
